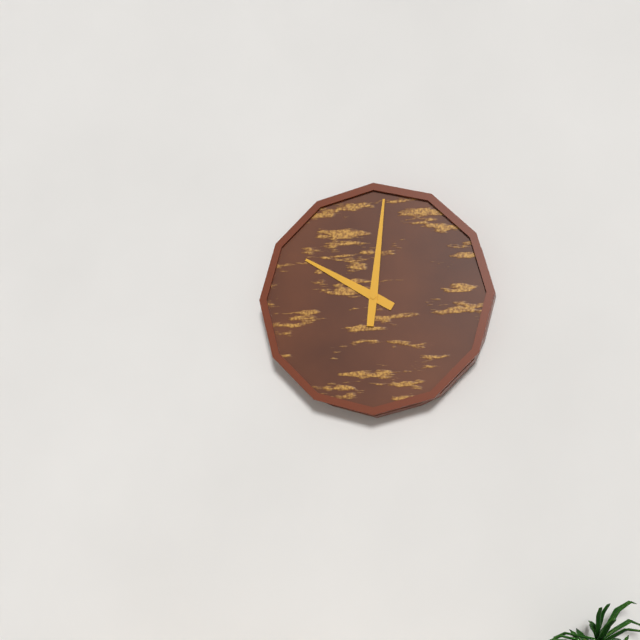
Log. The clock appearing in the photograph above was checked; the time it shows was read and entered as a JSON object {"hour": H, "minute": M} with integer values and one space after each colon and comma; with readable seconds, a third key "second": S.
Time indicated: {"hour": 10, "minute": 1}
